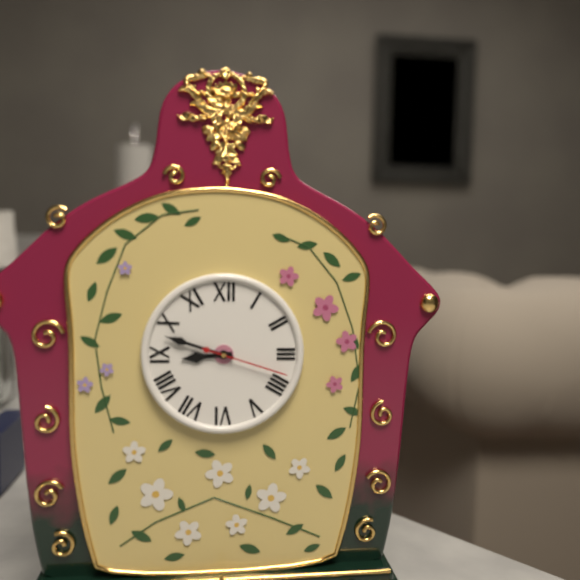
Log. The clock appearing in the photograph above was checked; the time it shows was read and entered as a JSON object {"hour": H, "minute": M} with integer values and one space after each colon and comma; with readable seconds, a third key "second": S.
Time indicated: {"hour": 8, "minute": 48, "second": 18}
